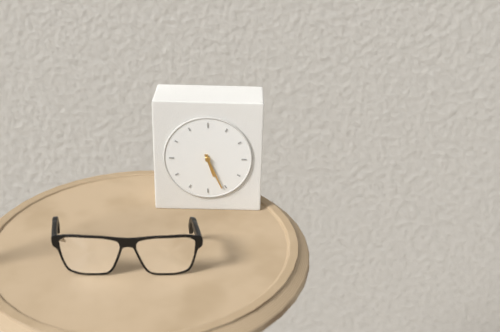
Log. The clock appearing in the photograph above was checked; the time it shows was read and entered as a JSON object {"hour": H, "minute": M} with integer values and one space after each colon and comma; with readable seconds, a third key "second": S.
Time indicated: {"hour": 5, "minute": 26}
